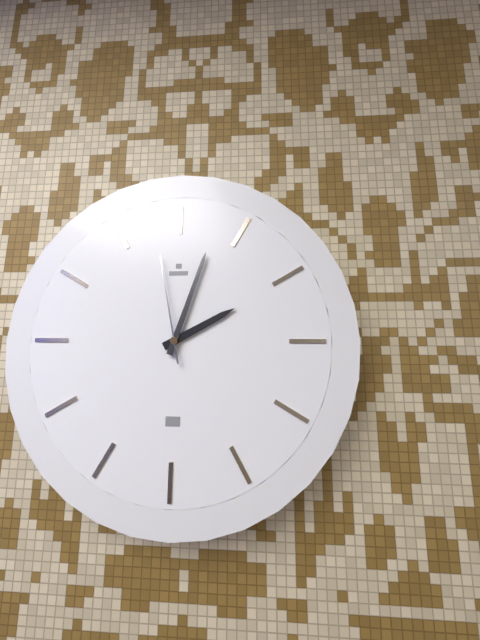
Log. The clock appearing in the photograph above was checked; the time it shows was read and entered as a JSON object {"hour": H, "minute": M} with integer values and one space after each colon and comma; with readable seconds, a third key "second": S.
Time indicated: {"hour": 2, "minute": 3, "second": 58}
